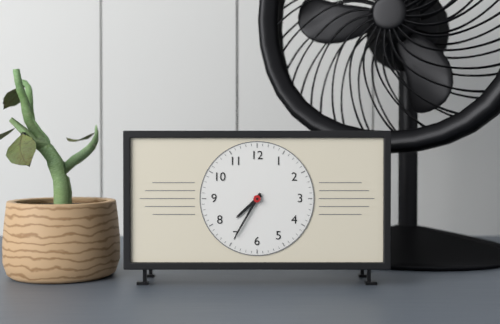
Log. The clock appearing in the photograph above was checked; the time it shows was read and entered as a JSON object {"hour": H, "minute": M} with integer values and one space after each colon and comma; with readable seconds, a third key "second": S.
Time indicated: {"hour": 7, "minute": 35}
